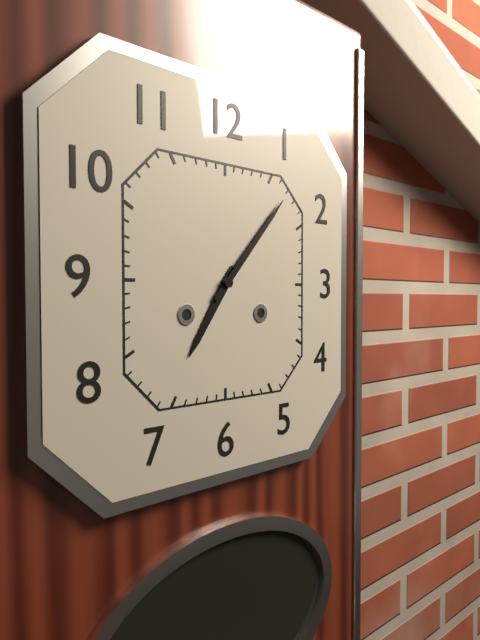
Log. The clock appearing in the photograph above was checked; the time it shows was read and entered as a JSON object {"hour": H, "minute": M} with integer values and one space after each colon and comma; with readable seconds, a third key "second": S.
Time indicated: {"hour": 7, "minute": 7}
